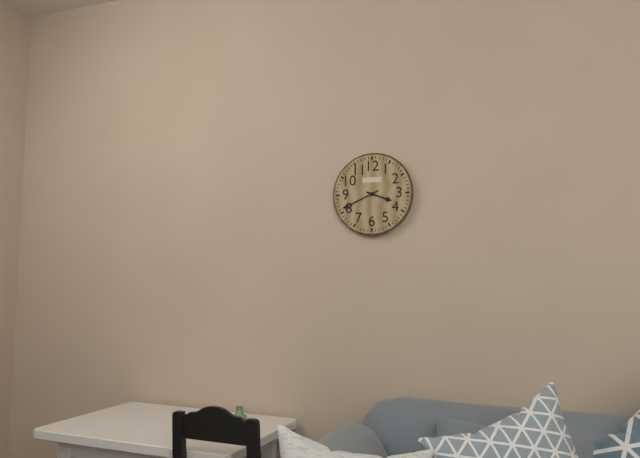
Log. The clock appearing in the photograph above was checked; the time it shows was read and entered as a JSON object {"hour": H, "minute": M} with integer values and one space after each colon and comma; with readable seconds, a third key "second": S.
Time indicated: {"hour": 3, "minute": 41}
